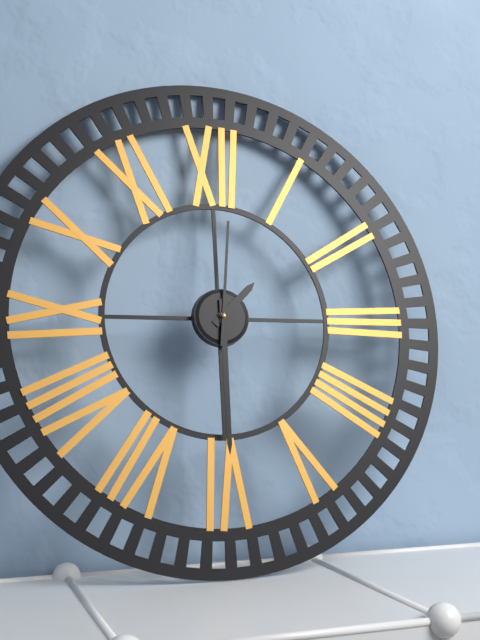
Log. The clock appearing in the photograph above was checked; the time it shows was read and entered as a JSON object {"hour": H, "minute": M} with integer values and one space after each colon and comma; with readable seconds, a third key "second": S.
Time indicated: {"hour": 1, "minute": 30, "second": 1}
